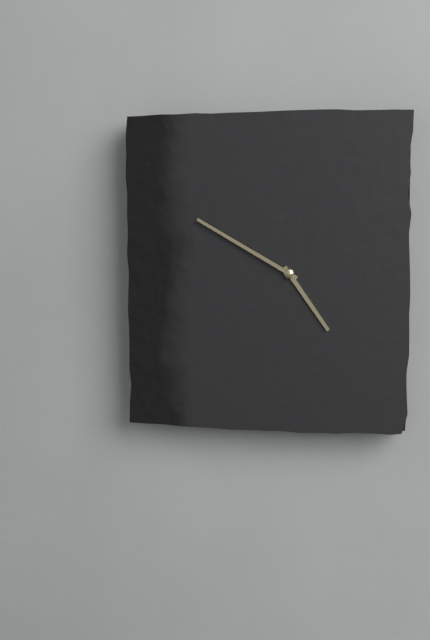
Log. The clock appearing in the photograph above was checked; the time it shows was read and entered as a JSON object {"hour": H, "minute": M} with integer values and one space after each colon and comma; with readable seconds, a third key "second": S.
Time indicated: {"hour": 4, "minute": 50}
